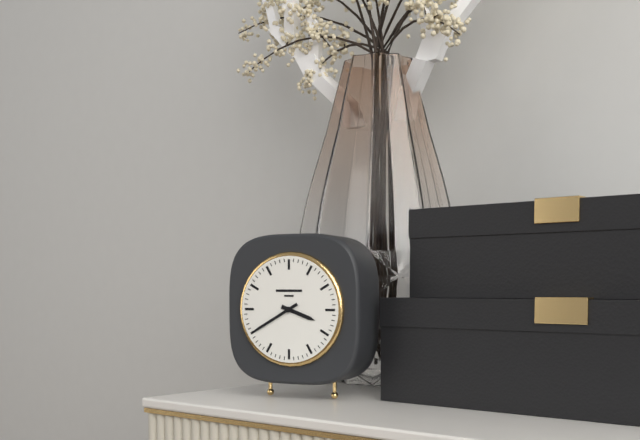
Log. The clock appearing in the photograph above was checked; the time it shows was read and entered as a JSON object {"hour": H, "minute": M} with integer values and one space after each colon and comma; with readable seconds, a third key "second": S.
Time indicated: {"hour": 3, "minute": 40}
